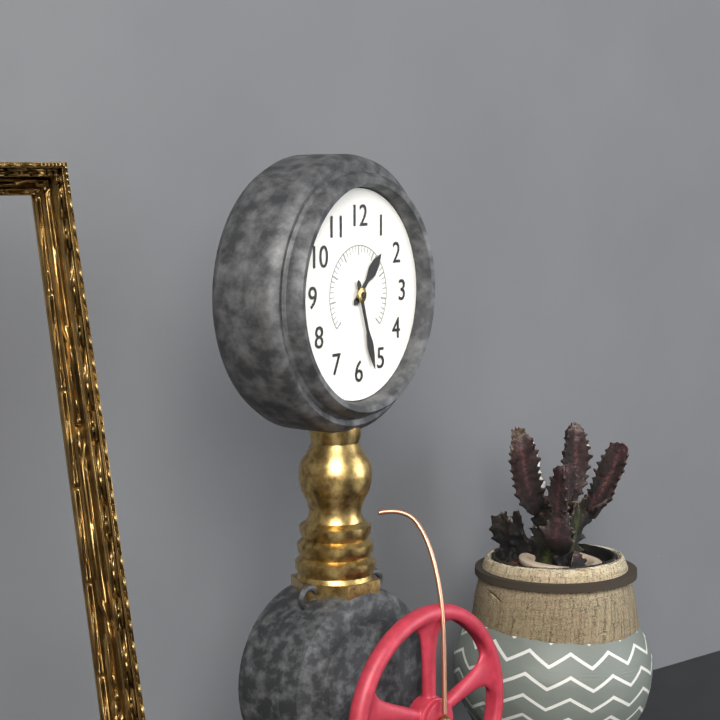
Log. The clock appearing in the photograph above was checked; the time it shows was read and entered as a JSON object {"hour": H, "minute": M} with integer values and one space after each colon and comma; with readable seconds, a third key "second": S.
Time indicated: {"hour": 1, "minute": 27}
